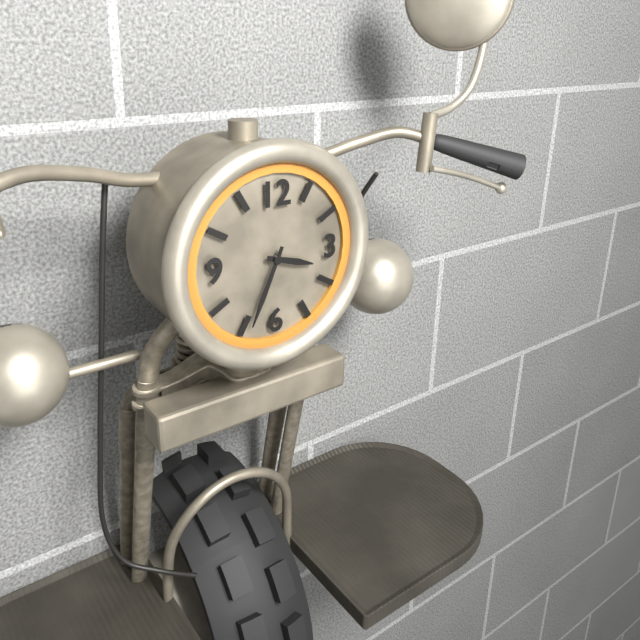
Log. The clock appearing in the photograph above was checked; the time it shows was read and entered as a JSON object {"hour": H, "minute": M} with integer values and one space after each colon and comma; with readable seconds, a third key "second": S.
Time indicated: {"hour": 3, "minute": 34}
